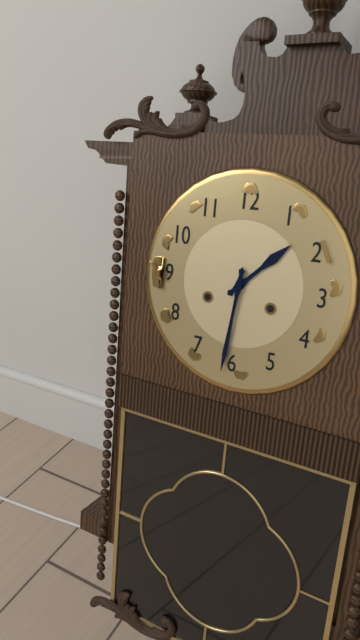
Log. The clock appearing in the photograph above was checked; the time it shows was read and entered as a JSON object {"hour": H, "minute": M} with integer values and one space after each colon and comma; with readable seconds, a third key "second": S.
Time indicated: {"hour": 1, "minute": 31}
